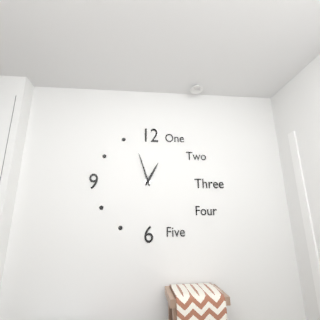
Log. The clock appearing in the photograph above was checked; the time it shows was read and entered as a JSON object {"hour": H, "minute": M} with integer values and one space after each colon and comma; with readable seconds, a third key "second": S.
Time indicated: {"hour": 12, "minute": 57}
